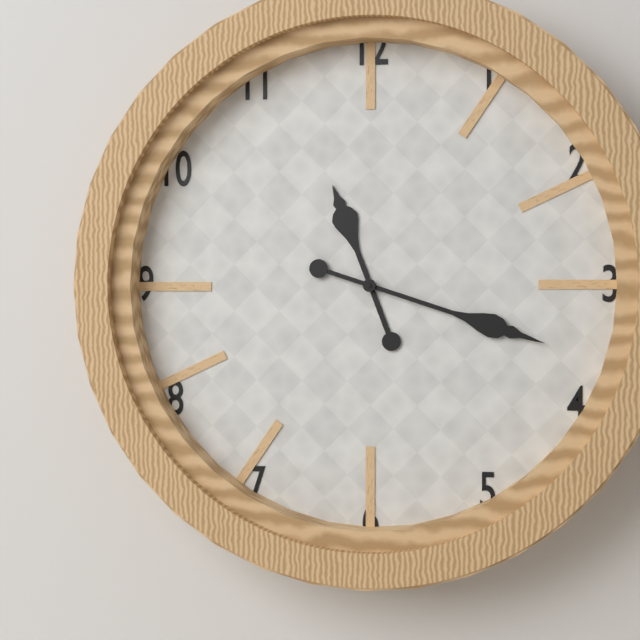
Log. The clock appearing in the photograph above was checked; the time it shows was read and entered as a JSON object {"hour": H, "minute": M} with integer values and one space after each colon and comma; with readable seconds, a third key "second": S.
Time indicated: {"hour": 11, "minute": 18}
